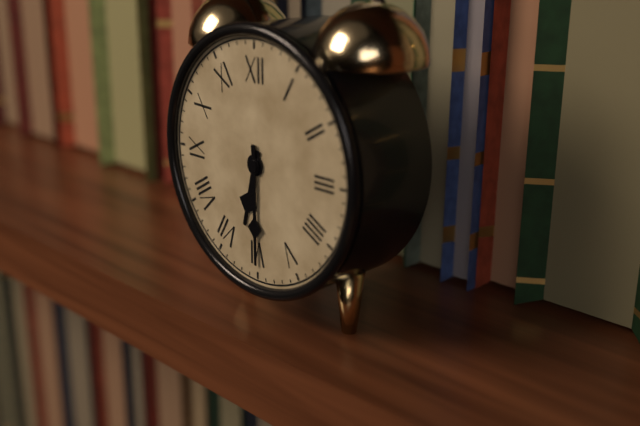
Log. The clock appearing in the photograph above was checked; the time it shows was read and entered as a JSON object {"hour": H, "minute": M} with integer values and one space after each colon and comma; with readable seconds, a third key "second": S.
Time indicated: {"hour": 6, "minute": 30}
